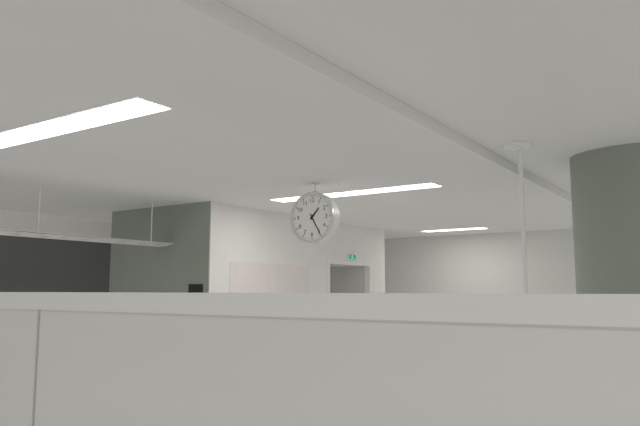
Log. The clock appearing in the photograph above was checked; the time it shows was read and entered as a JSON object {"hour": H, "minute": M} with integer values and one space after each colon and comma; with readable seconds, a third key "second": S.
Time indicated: {"hour": 1, "minute": 25}
